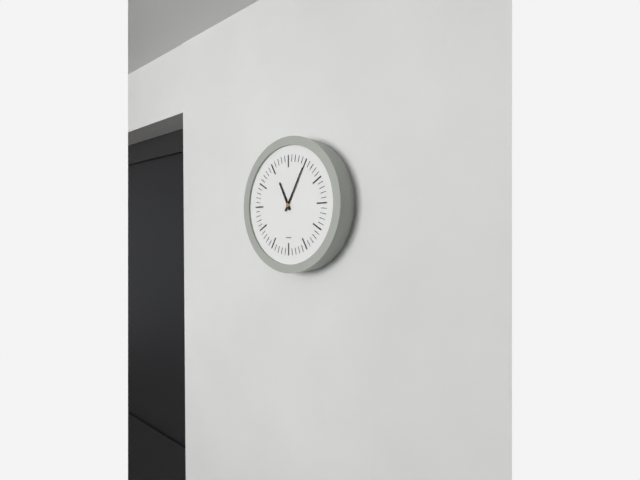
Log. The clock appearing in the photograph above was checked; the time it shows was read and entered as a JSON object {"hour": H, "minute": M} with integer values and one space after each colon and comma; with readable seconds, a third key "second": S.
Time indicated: {"hour": 11, "minute": 5}
